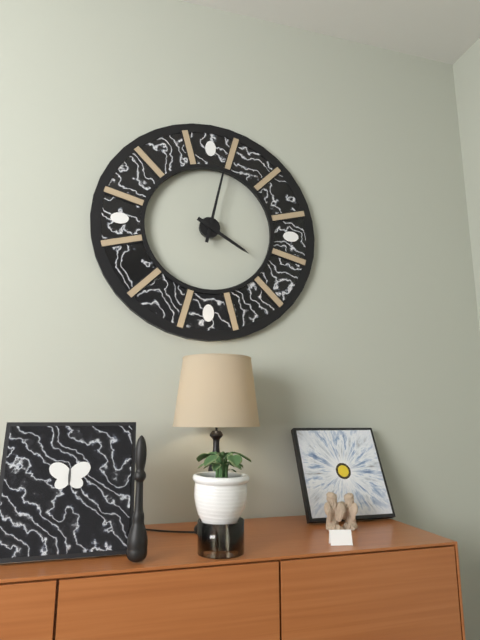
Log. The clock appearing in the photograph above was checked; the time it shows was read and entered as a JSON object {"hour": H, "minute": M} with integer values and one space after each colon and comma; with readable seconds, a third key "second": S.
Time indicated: {"hour": 4, "minute": 2}
